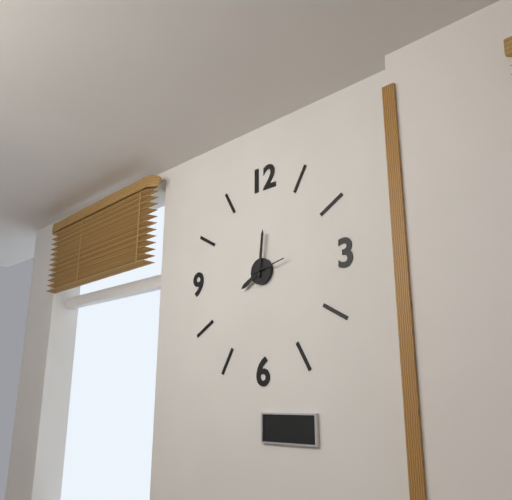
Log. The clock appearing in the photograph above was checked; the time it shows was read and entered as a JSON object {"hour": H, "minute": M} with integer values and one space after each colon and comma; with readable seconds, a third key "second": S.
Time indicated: {"hour": 8, "minute": 1}
